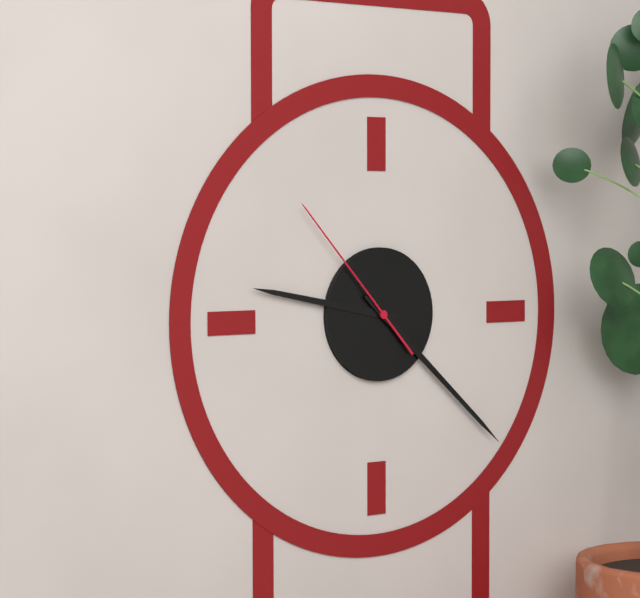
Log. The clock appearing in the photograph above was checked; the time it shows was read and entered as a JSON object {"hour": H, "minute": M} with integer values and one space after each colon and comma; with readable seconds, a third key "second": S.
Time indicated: {"hour": 9, "minute": 22, "second": 53}
